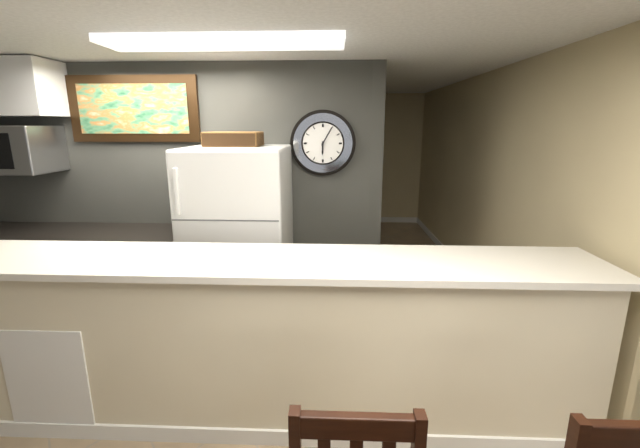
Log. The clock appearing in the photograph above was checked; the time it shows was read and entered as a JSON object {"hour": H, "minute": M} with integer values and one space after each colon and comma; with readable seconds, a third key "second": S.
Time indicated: {"hour": 6, "minute": 5}
